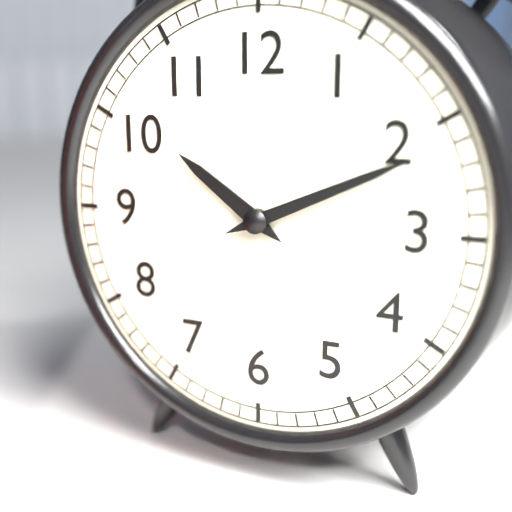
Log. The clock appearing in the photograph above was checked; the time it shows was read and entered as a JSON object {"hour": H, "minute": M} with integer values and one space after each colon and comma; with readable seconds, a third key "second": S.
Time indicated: {"hour": 10, "minute": 11}
